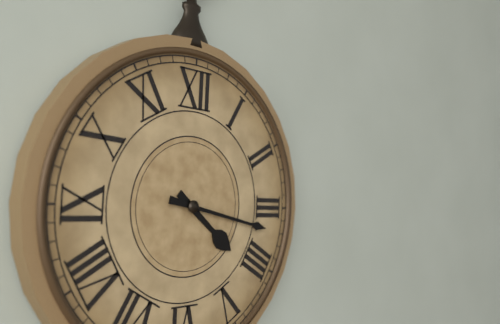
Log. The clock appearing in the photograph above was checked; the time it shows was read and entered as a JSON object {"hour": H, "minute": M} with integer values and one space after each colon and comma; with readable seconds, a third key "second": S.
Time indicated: {"hour": 4, "minute": 17}
